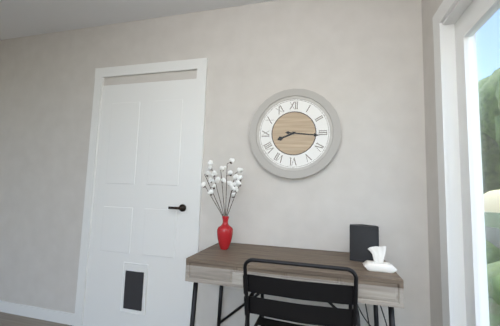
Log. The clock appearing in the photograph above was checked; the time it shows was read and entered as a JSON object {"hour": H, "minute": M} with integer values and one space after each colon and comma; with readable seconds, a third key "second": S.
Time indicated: {"hour": 8, "minute": 16}
